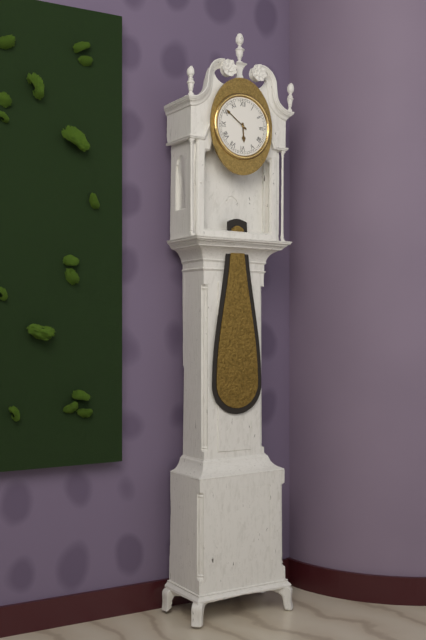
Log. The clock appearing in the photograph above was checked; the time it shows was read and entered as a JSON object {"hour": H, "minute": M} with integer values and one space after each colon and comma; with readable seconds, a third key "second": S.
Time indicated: {"hour": 5, "minute": 51}
